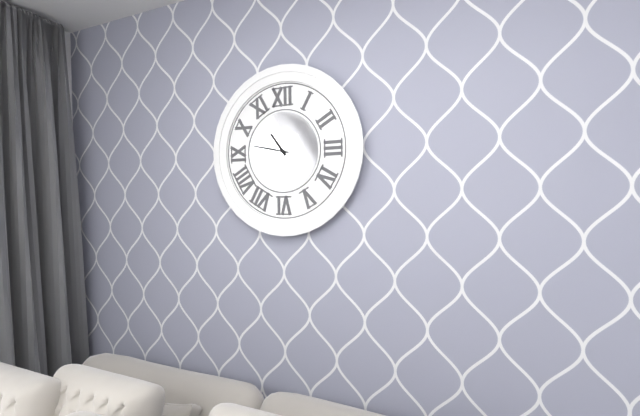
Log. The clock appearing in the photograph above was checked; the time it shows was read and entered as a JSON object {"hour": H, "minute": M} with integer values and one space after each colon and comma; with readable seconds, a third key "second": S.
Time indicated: {"hour": 10, "minute": 47}
